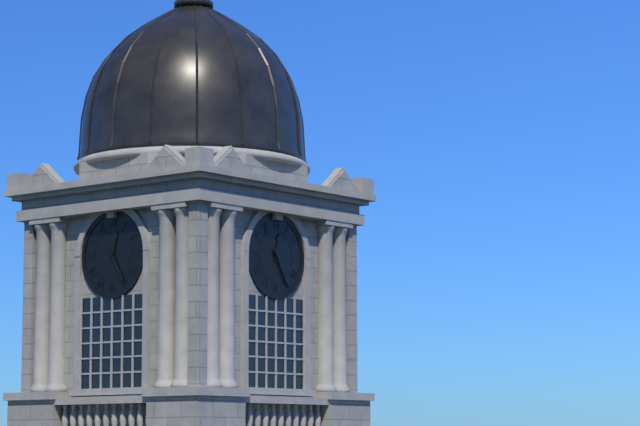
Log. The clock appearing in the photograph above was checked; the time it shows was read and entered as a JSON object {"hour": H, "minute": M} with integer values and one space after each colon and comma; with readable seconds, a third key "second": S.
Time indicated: {"hour": 12, "minute": 25}
